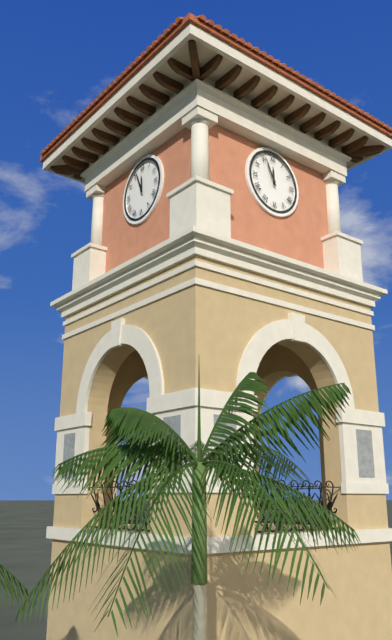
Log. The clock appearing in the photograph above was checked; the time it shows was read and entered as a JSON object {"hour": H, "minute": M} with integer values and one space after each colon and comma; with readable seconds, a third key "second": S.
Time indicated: {"hour": 11, "minute": 56}
